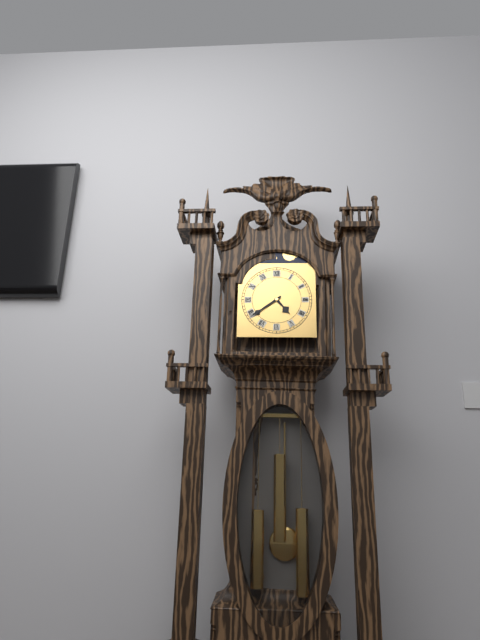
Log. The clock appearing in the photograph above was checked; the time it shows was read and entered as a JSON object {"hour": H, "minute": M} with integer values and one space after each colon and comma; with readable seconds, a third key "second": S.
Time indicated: {"hour": 4, "minute": 39}
